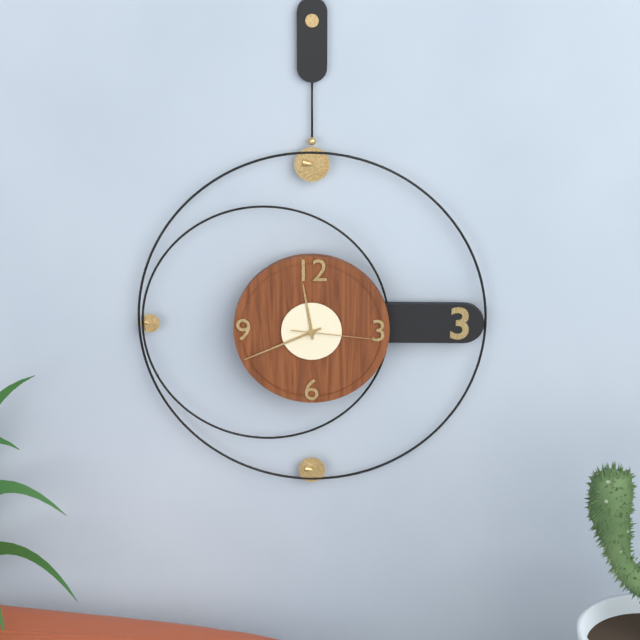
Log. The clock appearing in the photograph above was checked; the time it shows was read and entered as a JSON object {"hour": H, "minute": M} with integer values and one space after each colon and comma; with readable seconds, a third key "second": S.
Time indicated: {"hour": 11, "minute": 41, "second": 16}
